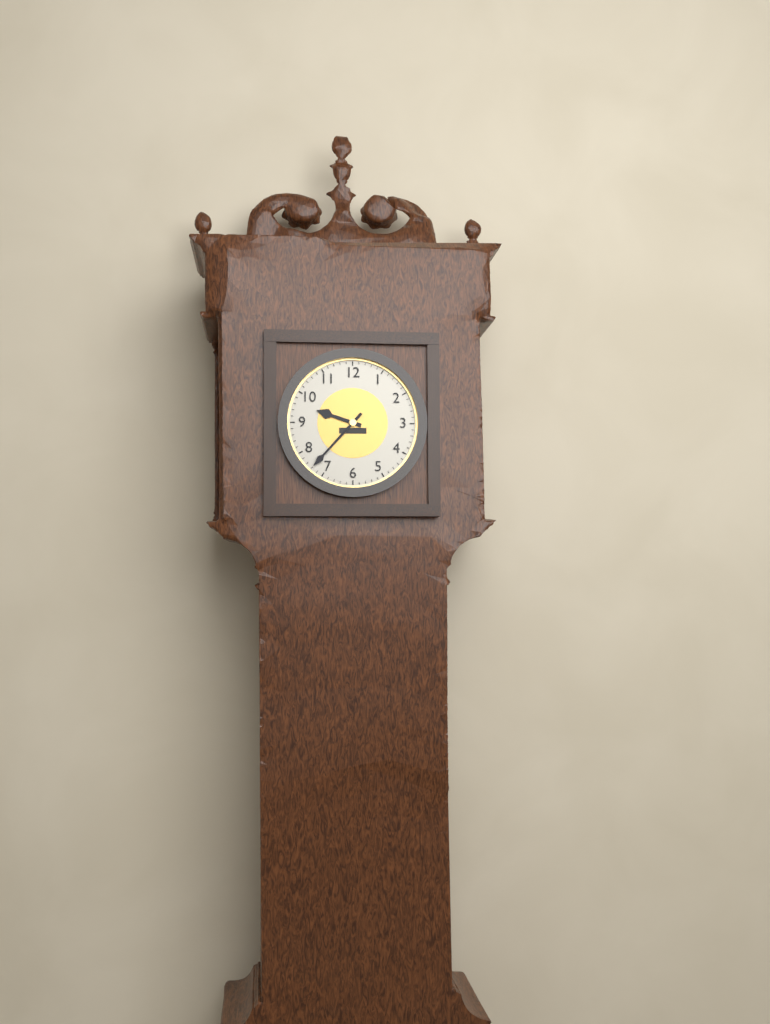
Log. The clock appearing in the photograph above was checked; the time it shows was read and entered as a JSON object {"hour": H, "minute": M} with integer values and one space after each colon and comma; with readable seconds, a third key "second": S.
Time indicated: {"hour": 9, "minute": 37}
